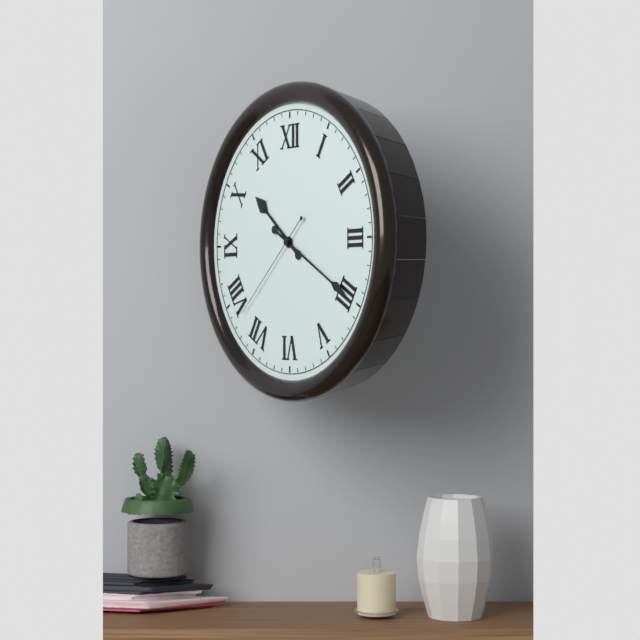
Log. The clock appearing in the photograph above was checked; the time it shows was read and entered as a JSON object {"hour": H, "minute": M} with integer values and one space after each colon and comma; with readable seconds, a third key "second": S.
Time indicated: {"hour": 10, "minute": 20, "second": 38}
